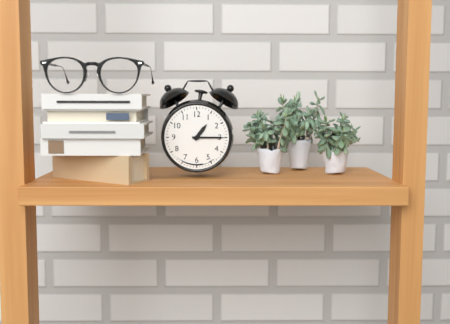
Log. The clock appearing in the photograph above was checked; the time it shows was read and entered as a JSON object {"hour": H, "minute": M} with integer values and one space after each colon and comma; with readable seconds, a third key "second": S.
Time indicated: {"hour": 1, "minute": 15}
